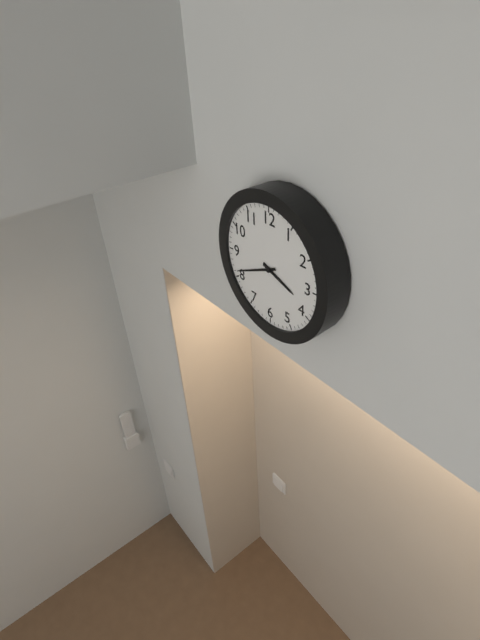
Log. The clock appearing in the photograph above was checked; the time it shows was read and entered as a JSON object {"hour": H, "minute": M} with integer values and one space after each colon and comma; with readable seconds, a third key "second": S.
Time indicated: {"hour": 3, "minute": 41}
